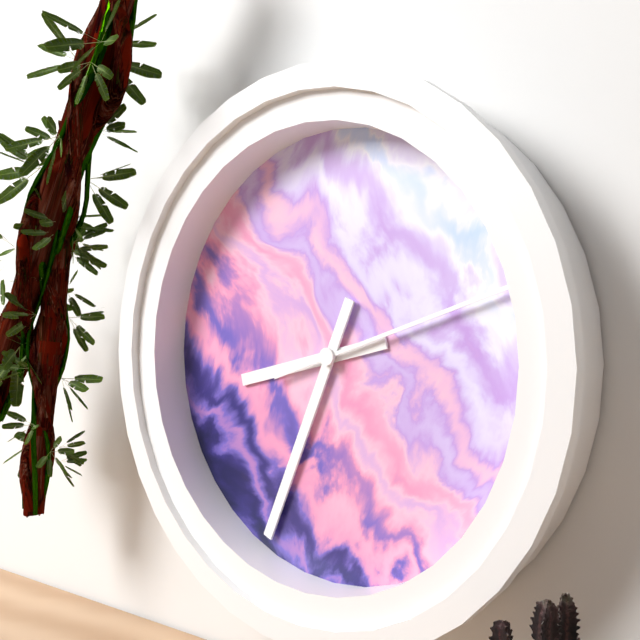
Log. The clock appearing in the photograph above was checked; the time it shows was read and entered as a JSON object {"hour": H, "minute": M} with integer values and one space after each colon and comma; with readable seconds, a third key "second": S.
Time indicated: {"hour": 8, "minute": 34, "second": 12}
